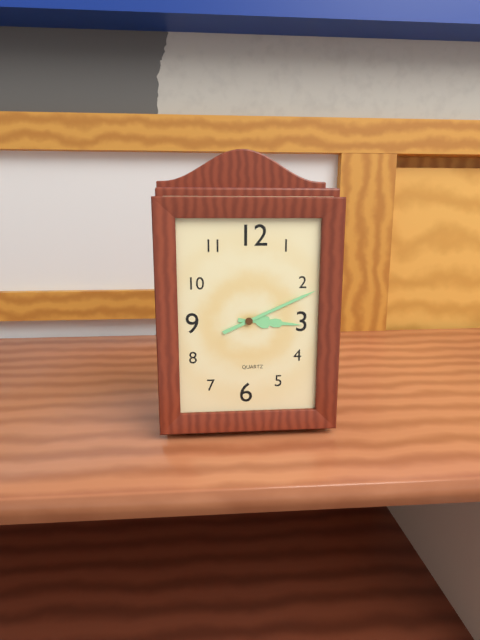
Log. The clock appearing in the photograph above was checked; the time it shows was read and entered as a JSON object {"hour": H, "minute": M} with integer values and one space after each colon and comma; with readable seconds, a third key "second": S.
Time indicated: {"hour": 3, "minute": 11}
